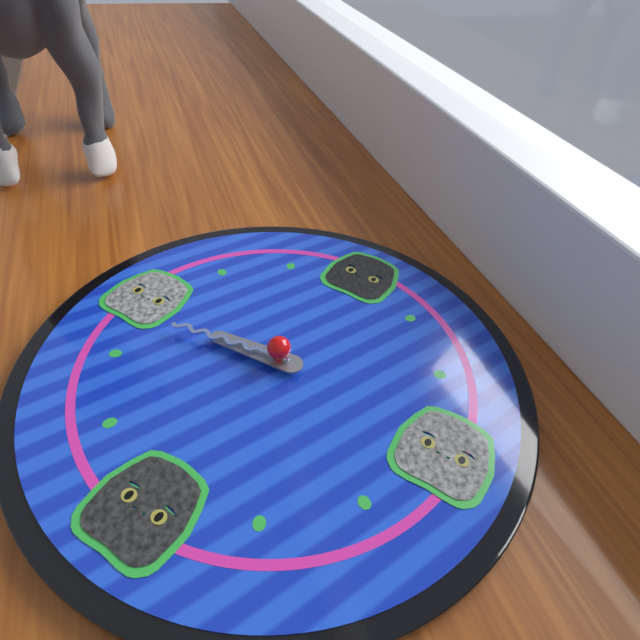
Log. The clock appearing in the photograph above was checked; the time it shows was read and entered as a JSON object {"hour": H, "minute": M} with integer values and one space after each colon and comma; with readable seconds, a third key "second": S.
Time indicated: {"hour": 8, "minute": 43}
